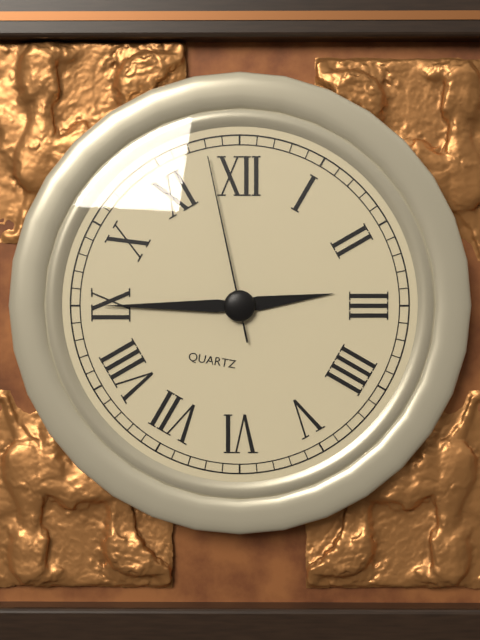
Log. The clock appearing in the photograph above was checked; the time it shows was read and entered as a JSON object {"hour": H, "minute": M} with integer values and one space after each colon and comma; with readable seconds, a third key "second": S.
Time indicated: {"hour": 2, "minute": 45, "second": 58}
